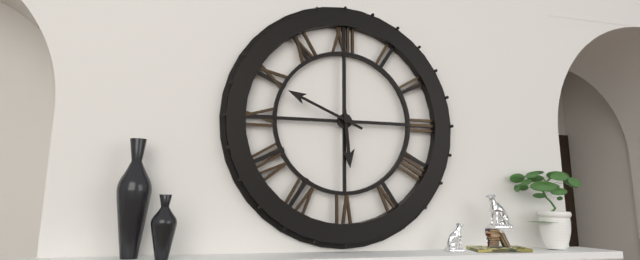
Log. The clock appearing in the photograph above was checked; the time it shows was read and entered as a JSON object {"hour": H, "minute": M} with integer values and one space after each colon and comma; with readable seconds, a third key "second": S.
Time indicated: {"hour": 5, "minute": 49}
